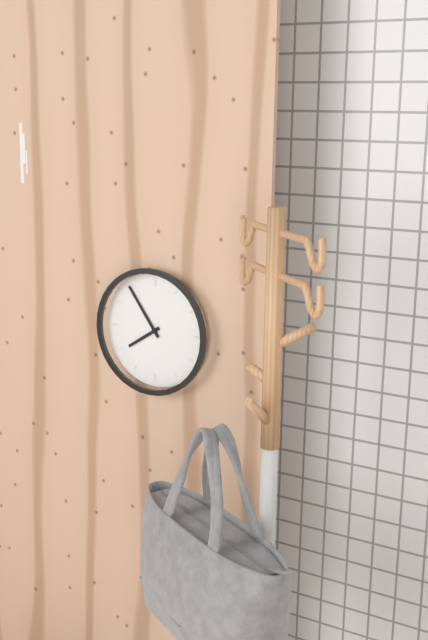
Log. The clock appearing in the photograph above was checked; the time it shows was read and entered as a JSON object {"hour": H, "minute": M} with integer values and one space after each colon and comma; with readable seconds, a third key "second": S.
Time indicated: {"hour": 7, "minute": 54}
